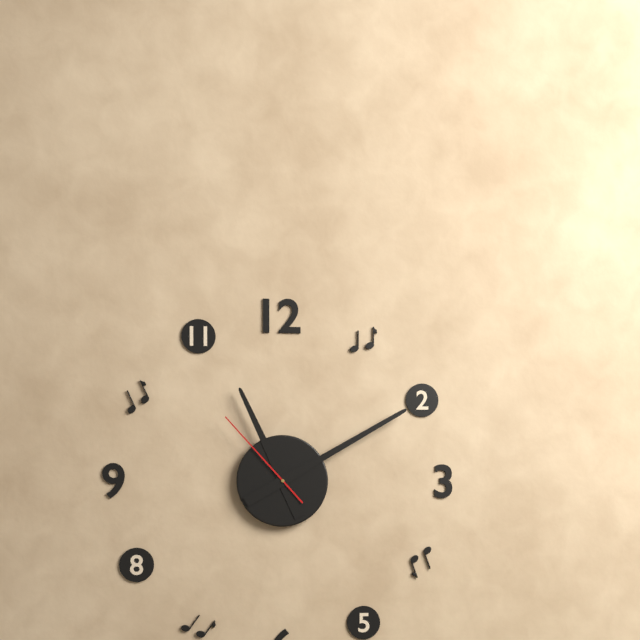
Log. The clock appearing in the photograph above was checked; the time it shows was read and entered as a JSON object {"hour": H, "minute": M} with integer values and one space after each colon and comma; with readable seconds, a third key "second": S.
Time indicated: {"hour": 11, "minute": 10, "second": 53}
